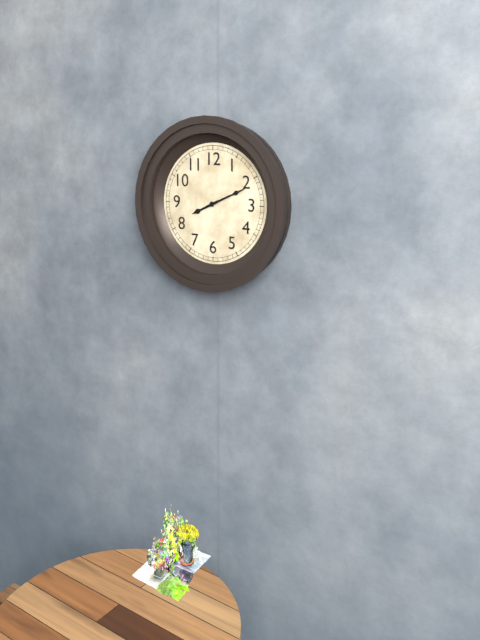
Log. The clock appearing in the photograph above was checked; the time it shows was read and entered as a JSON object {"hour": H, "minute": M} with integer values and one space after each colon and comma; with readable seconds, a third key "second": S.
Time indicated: {"hour": 8, "minute": 11}
